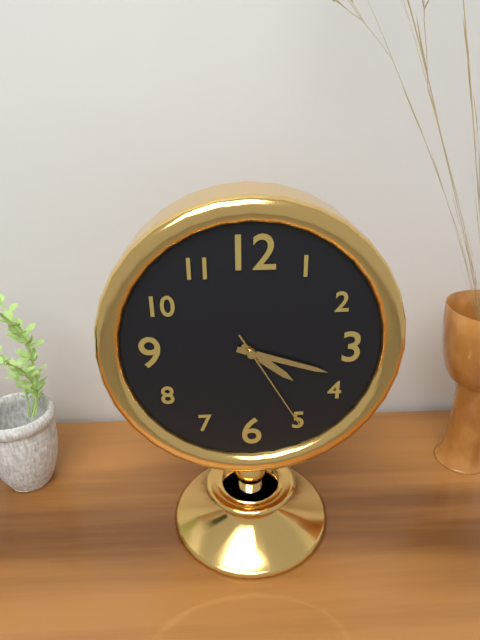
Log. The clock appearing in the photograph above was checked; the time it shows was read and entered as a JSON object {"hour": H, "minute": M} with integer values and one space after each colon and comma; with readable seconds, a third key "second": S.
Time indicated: {"hour": 4, "minute": 18, "second": 25}
